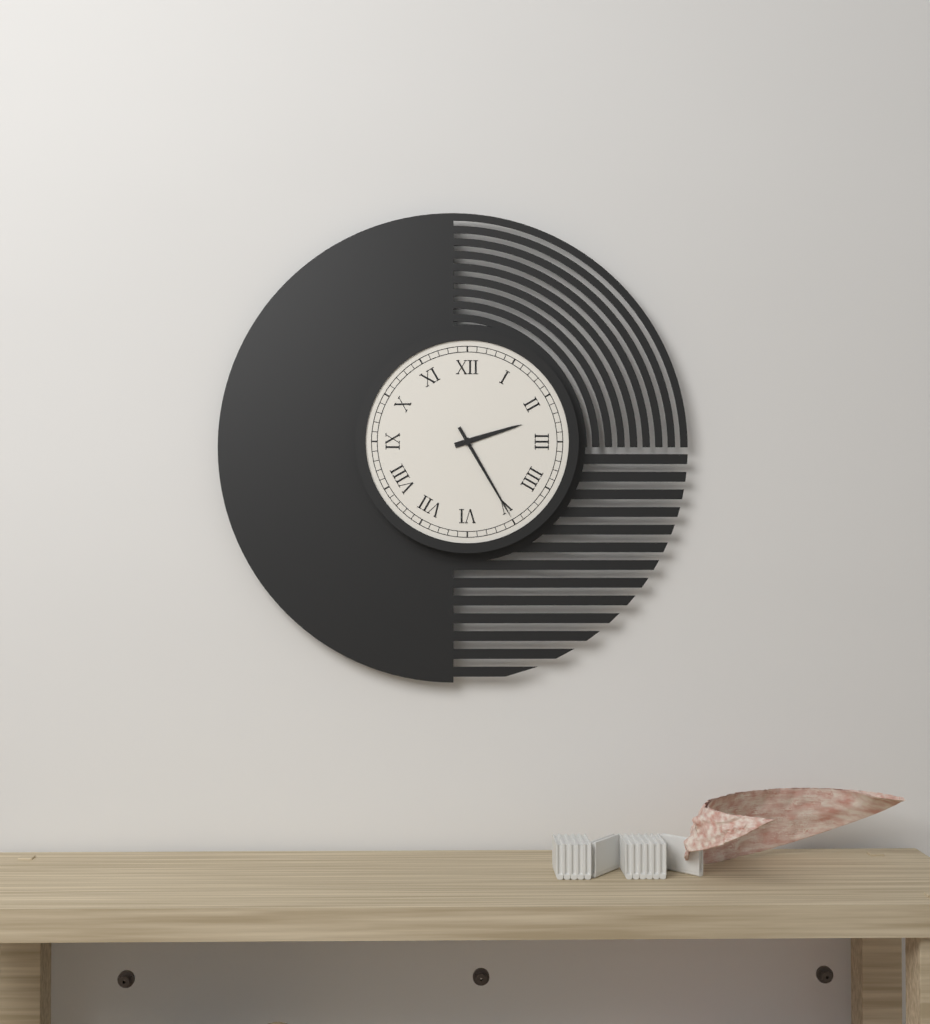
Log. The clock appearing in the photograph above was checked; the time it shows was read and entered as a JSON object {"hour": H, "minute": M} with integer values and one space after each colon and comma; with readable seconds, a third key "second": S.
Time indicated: {"hour": 2, "minute": 25}
